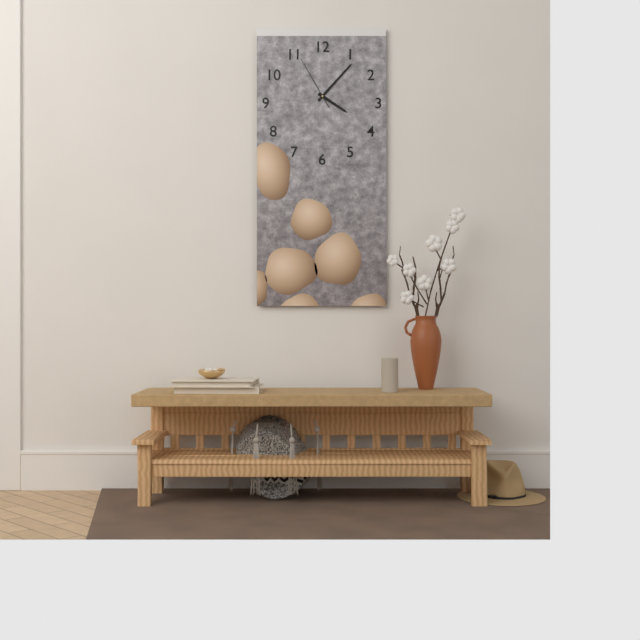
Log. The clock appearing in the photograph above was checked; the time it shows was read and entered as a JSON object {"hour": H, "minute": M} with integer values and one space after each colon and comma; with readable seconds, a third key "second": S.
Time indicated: {"hour": 4, "minute": 7, "second": 55}
